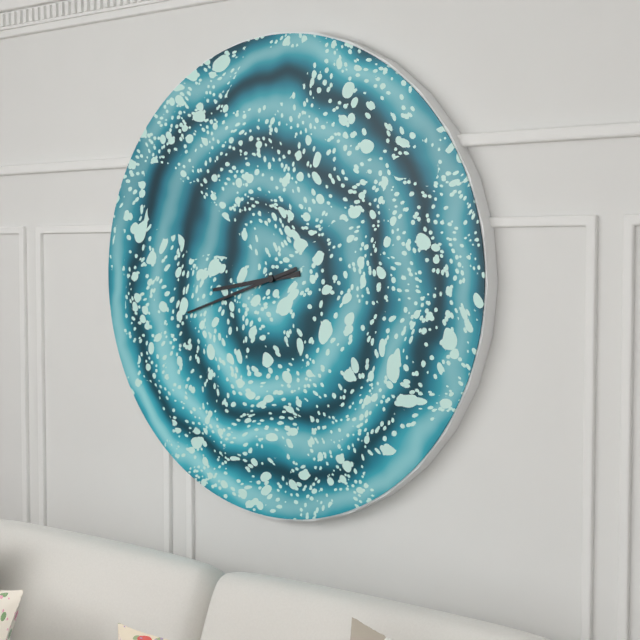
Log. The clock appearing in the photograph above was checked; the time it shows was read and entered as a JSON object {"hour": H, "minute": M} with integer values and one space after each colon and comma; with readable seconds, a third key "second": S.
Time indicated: {"hour": 8, "minute": 42}
